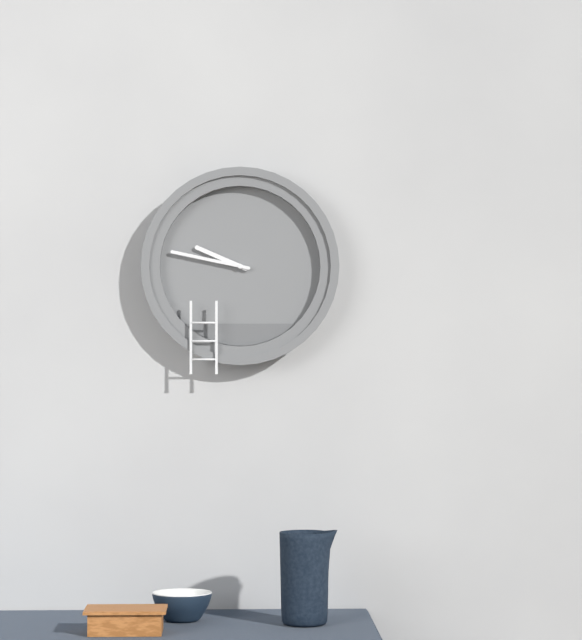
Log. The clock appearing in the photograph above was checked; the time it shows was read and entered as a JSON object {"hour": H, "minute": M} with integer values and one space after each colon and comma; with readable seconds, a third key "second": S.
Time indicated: {"hour": 9, "minute": 47}
